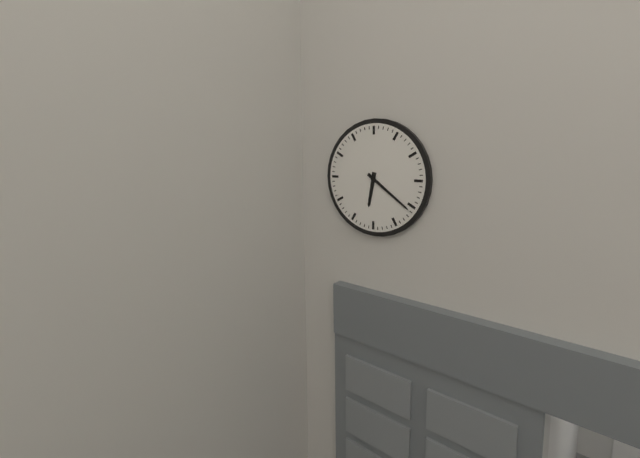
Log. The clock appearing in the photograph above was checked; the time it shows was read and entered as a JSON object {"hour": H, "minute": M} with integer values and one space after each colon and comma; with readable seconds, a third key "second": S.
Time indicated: {"hour": 6, "minute": 21}
